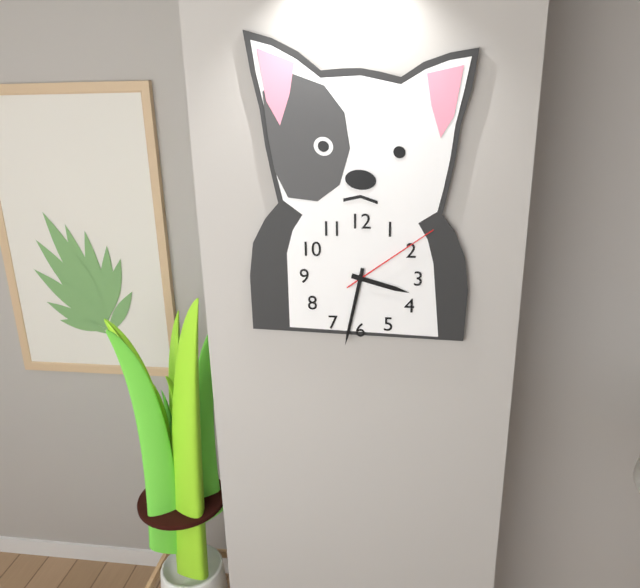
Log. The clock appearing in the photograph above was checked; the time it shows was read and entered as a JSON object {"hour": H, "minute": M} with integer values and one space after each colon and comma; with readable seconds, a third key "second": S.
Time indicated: {"hour": 3, "minute": 32, "second": 9}
